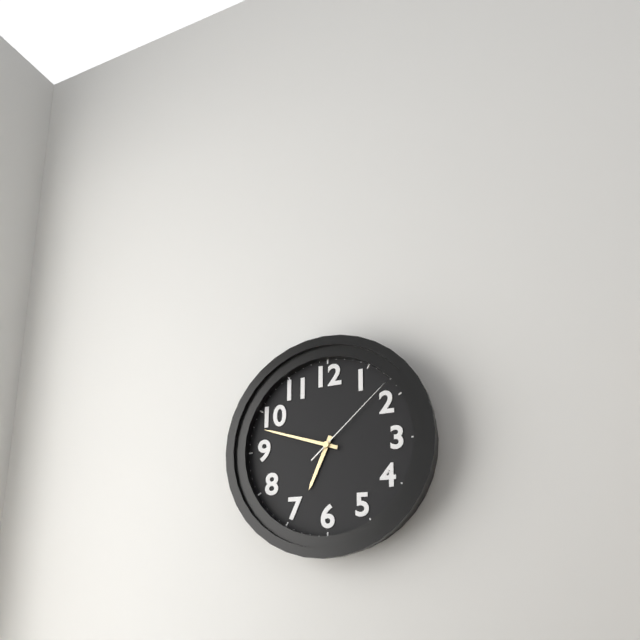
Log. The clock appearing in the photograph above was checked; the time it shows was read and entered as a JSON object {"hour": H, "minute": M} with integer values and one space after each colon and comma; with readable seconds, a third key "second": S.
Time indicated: {"hour": 6, "minute": 48, "second": 8}
